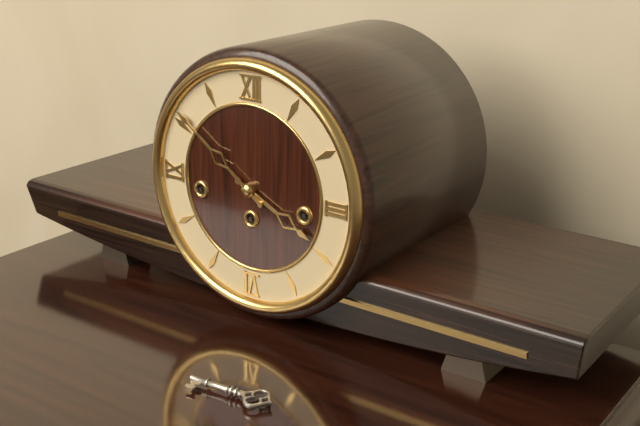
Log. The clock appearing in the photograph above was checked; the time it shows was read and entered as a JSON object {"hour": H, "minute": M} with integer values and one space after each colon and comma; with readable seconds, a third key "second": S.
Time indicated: {"hour": 3, "minute": 51}
